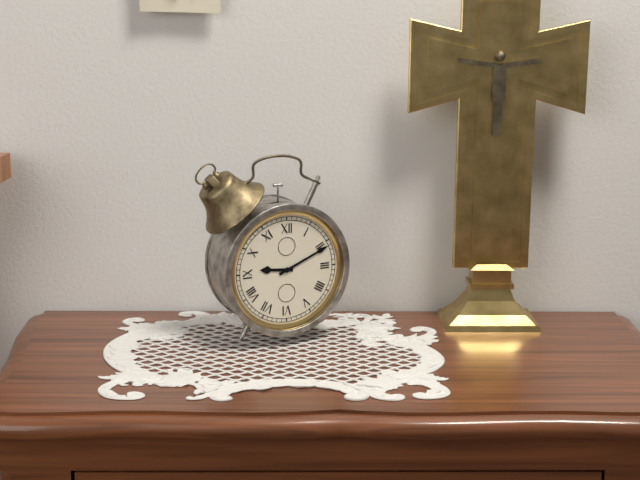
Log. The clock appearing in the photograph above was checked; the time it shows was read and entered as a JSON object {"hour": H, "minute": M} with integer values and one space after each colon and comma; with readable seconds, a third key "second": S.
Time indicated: {"hour": 9, "minute": 11}
